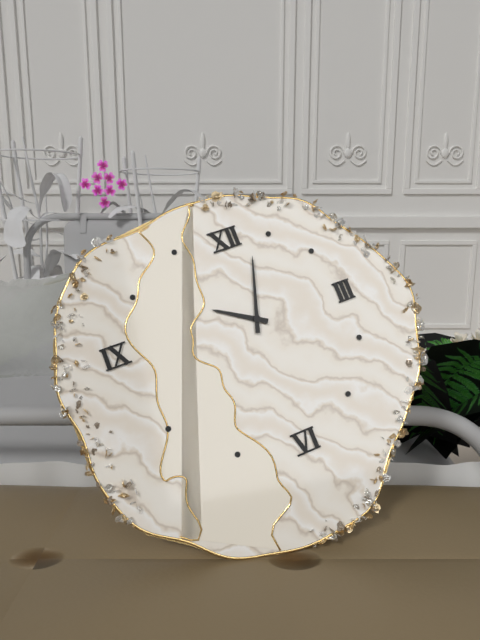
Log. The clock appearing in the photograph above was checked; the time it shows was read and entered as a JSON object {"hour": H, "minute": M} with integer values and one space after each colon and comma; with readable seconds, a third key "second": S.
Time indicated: {"hour": 10, "minute": 3}
